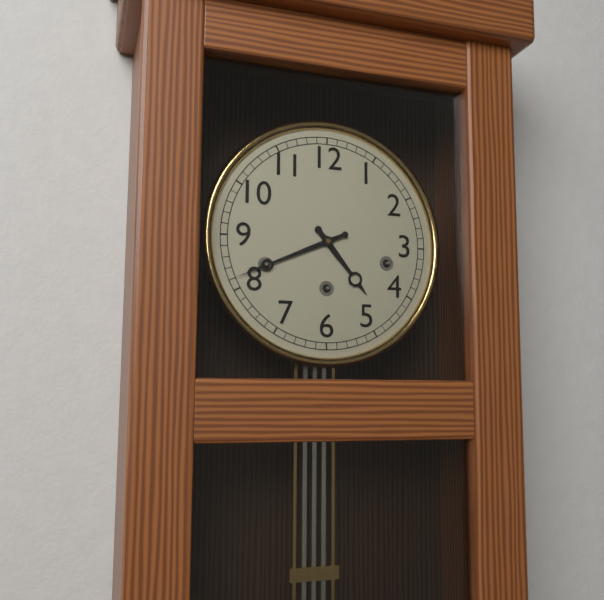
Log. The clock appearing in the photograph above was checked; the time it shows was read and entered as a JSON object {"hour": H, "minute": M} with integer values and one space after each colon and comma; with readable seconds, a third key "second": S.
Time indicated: {"hour": 4, "minute": 41}
